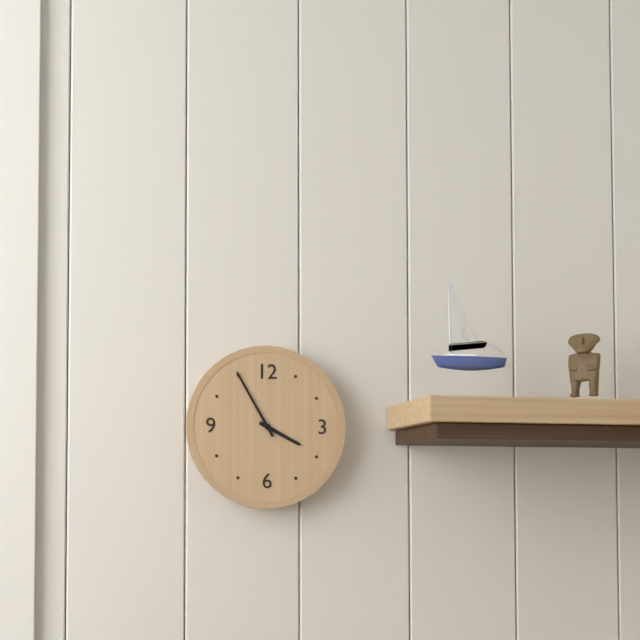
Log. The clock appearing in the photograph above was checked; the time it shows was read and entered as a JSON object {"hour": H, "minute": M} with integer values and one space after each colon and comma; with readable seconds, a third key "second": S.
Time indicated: {"hour": 3, "minute": 55}
